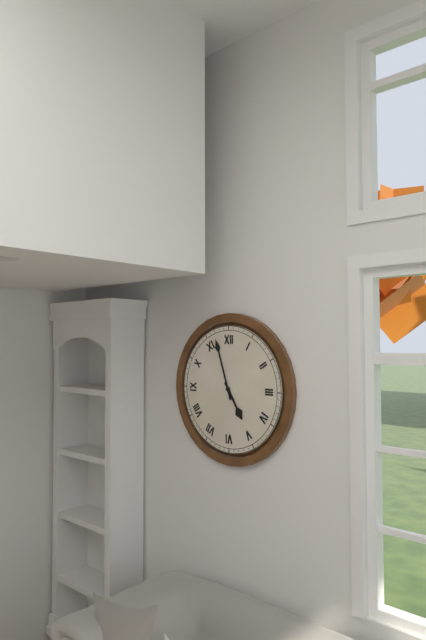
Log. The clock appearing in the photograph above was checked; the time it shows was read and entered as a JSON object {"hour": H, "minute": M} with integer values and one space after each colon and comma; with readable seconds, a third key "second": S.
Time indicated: {"hour": 4, "minute": 57}
